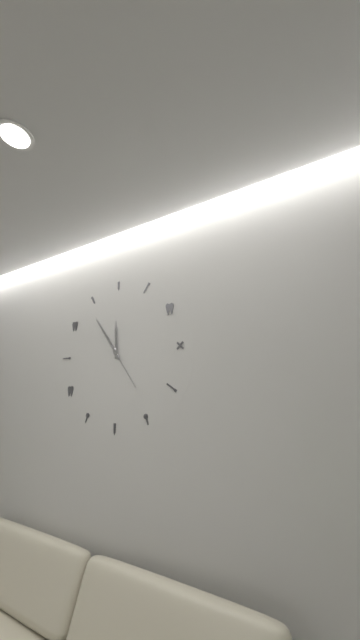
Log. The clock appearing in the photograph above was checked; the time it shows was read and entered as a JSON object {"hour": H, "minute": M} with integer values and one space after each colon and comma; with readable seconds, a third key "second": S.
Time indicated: {"hour": 11, "minute": 54, "second": 24}
